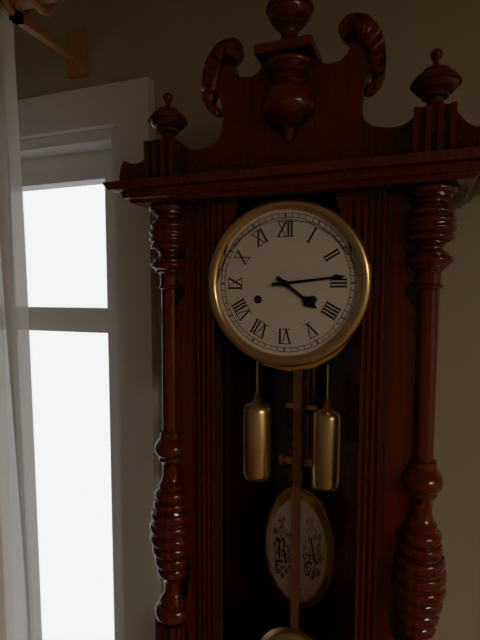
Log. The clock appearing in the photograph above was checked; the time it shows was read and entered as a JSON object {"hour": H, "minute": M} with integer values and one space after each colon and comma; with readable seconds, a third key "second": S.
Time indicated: {"hour": 4, "minute": 14}
